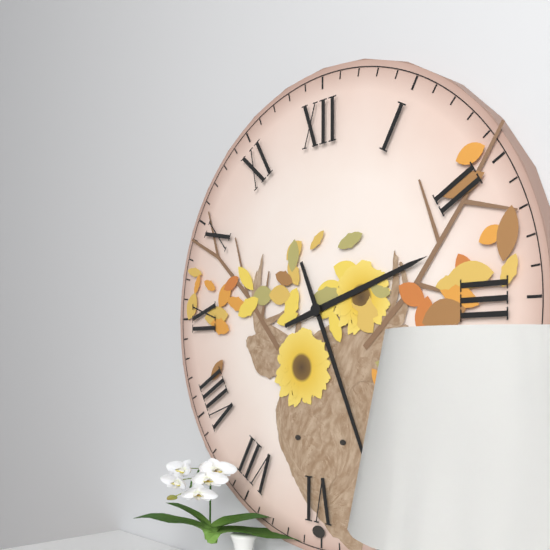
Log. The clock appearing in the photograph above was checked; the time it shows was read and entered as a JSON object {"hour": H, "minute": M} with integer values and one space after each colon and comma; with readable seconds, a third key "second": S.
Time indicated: {"hour": 2, "minute": 26}
